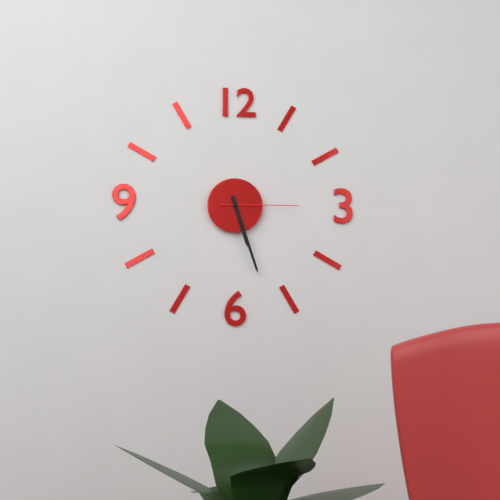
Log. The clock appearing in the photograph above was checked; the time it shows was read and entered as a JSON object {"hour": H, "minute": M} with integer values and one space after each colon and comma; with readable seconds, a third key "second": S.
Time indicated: {"hour": 5, "minute": 27, "second": 15}
